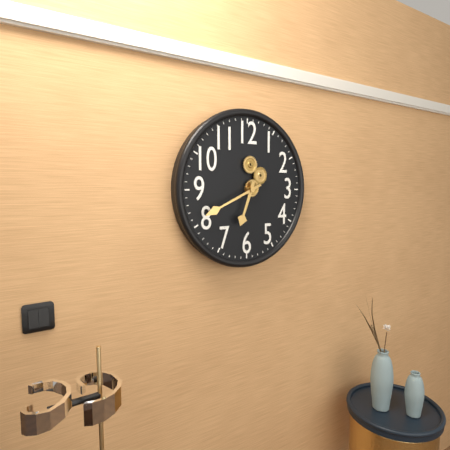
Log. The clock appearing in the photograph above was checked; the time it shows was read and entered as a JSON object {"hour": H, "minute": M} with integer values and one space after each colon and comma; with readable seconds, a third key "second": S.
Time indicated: {"hour": 6, "minute": 41}
